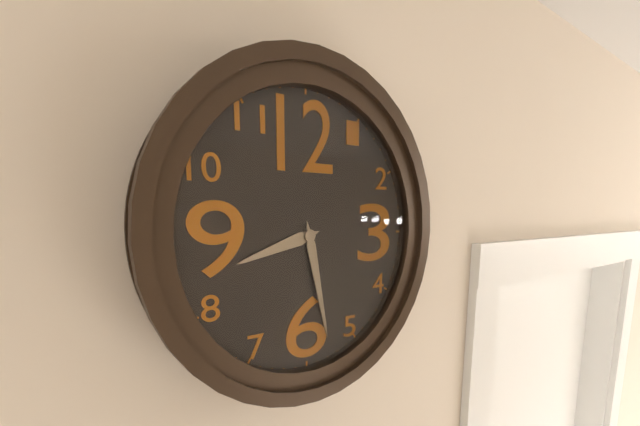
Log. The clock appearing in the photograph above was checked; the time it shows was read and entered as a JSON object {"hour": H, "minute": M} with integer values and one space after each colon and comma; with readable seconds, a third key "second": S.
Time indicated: {"hour": 8, "minute": 28}
